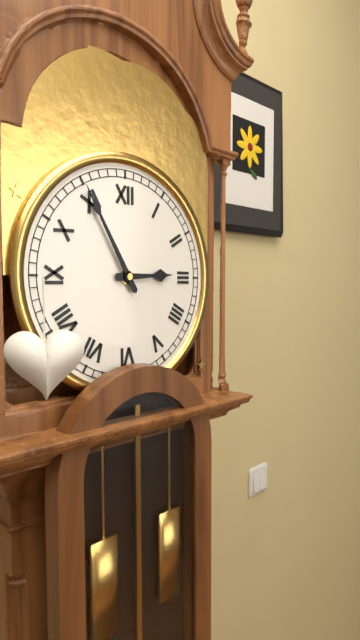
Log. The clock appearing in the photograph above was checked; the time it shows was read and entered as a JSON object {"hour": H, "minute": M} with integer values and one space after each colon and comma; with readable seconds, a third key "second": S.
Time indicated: {"hour": 2, "minute": 55}
